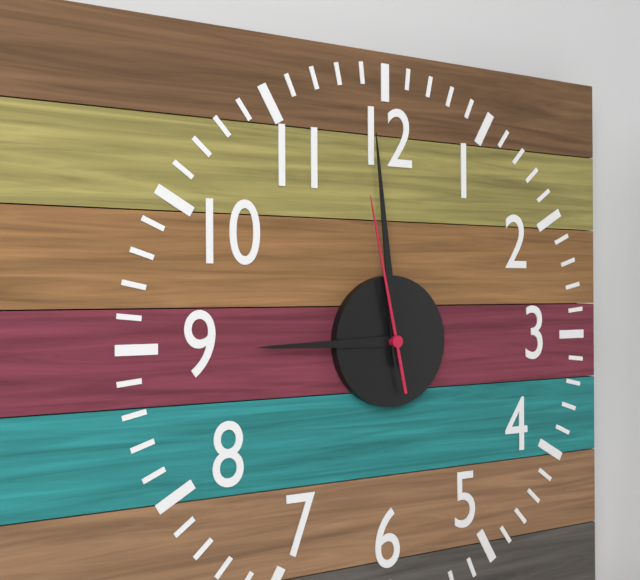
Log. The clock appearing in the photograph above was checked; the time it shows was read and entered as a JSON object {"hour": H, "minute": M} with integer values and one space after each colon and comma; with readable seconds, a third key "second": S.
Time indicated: {"hour": 8, "minute": 59, "second": 58}
